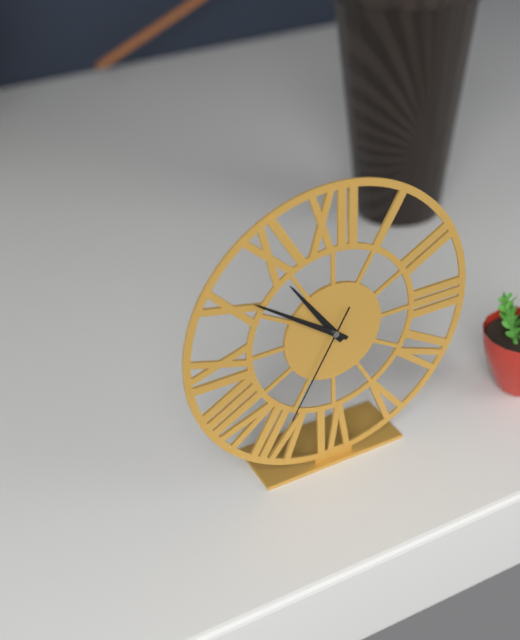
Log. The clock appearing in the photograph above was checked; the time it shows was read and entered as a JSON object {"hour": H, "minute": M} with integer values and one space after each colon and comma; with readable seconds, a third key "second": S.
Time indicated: {"hour": 10, "minute": 51, "second": 35}
